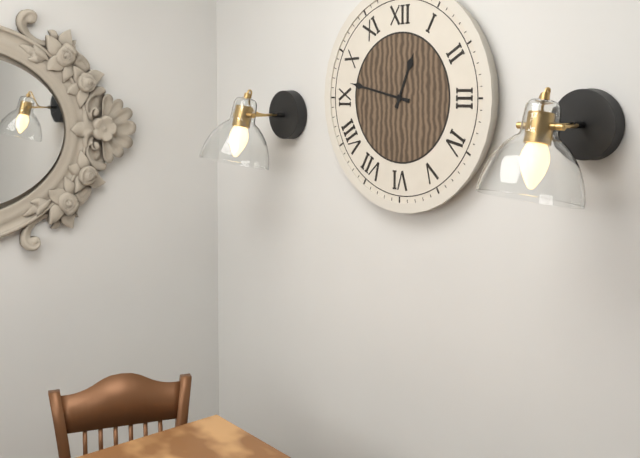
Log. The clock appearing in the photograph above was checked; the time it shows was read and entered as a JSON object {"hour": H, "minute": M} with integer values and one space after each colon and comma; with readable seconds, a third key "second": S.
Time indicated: {"hour": 12, "minute": 47}
